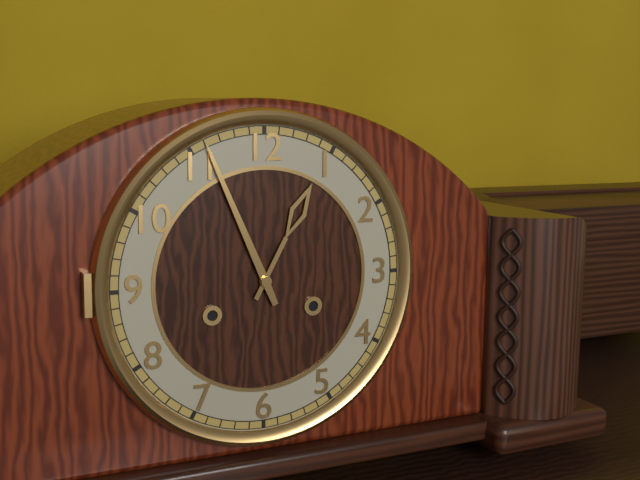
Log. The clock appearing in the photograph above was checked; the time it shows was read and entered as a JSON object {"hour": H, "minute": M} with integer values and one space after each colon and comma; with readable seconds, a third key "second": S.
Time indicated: {"hour": 12, "minute": 56}
